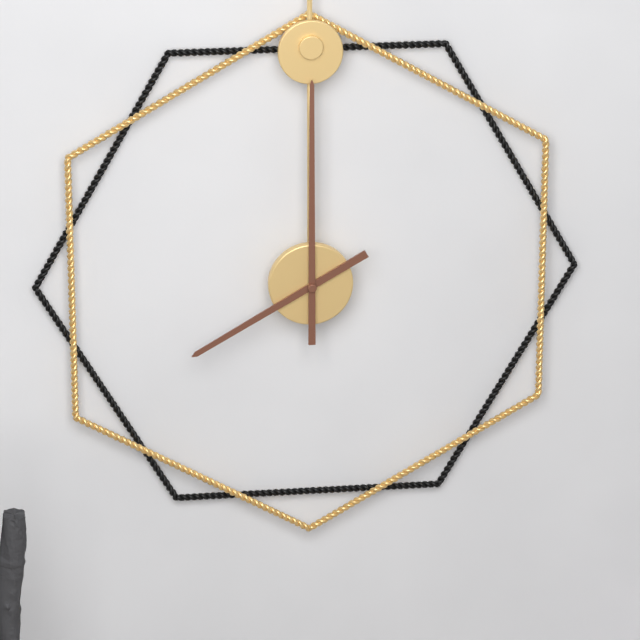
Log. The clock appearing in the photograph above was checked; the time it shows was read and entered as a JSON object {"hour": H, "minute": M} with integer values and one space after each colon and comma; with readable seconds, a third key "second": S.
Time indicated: {"hour": 8, "minute": 0}
